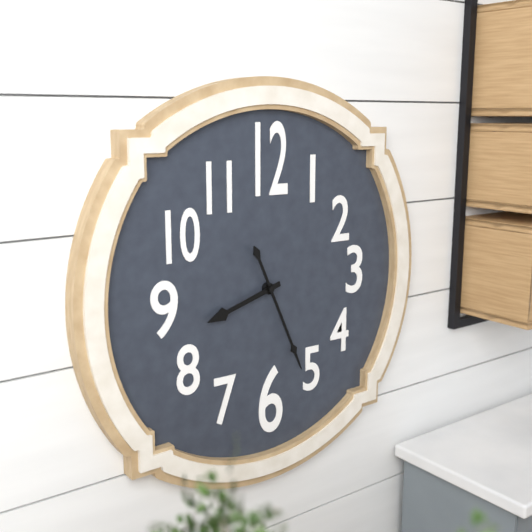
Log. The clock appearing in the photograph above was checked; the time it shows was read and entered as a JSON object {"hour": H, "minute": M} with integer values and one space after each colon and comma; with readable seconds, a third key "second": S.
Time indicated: {"hour": 8, "minute": 26}
